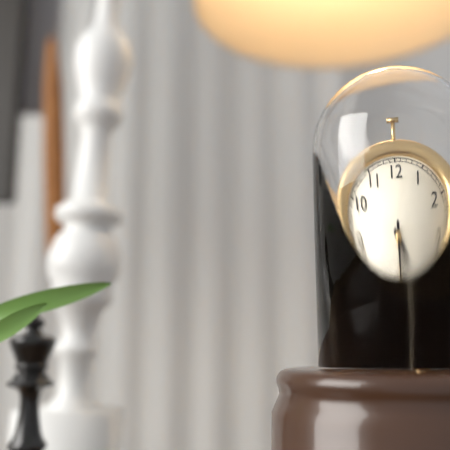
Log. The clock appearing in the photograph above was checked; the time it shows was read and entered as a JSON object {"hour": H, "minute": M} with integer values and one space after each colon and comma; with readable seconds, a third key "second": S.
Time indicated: {"hour": 4, "minute": 30}
